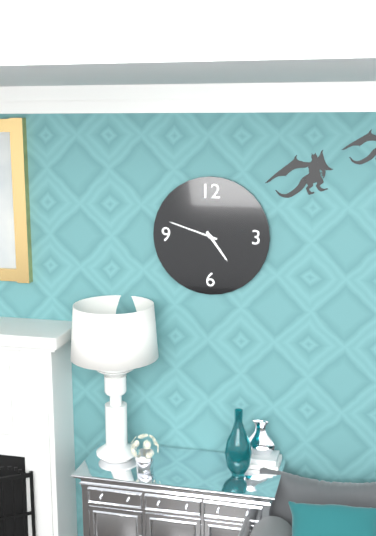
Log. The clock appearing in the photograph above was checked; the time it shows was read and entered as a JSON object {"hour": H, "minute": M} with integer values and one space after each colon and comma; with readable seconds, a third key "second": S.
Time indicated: {"hour": 4, "minute": 48}
